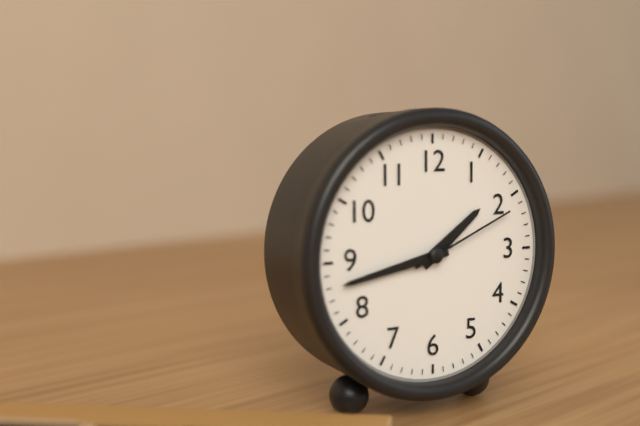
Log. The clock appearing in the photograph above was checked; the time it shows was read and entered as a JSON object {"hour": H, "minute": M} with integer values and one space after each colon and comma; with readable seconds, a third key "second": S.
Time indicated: {"hour": 1, "minute": 43, "second": 11}
